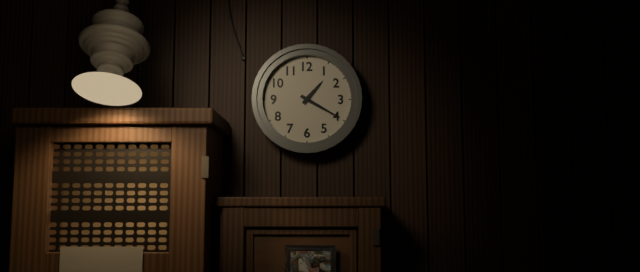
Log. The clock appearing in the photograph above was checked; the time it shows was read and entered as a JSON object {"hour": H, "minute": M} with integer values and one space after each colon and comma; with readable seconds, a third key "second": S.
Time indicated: {"hour": 1, "minute": 20}
